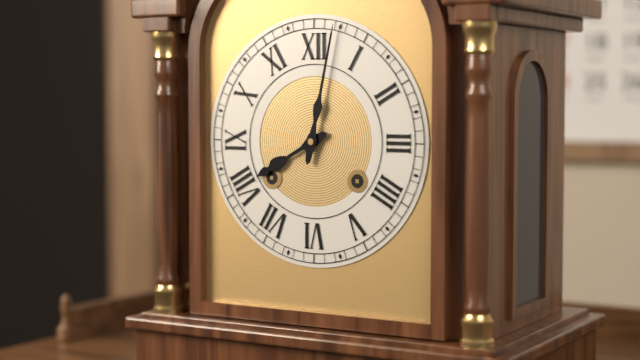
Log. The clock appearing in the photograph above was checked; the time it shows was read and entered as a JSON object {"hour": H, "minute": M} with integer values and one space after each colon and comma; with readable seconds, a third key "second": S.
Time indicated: {"hour": 8, "minute": 2}
